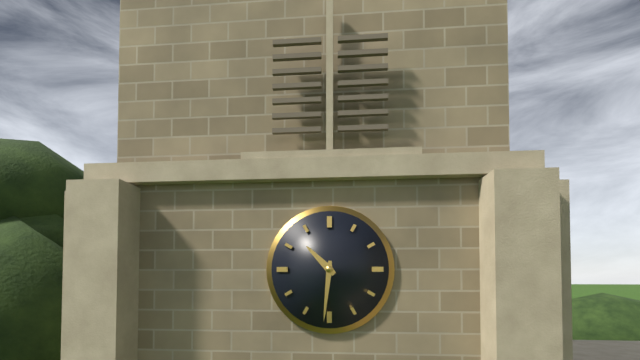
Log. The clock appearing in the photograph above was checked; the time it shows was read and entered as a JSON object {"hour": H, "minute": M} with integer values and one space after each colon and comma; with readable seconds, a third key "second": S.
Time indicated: {"hour": 10, "minute": 31}
